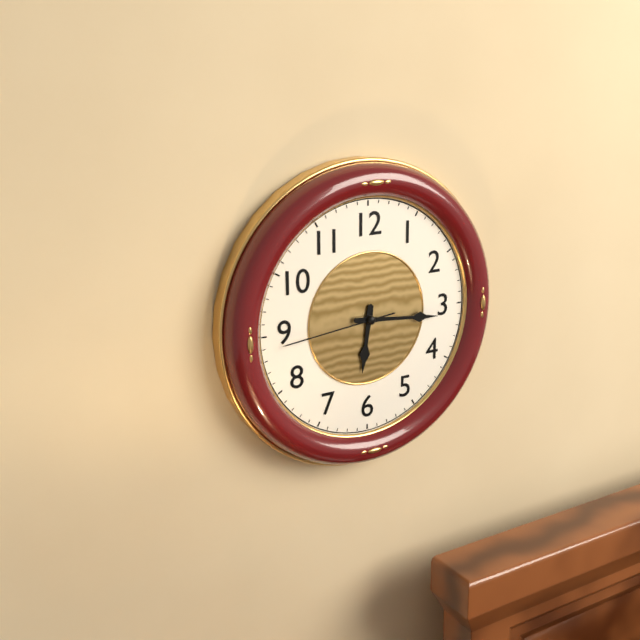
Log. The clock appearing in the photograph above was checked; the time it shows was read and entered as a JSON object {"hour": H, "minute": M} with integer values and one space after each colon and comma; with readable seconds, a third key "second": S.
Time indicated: {"hour": 6, "minute": 16, "second": 44}
